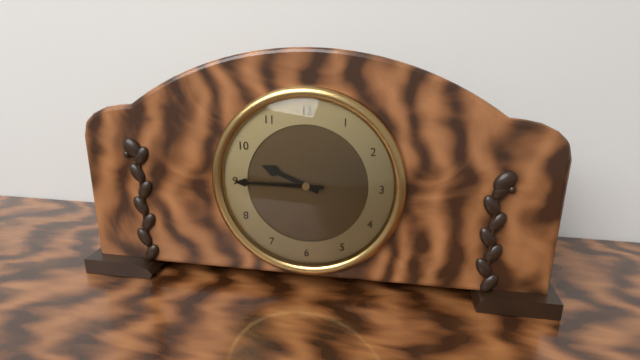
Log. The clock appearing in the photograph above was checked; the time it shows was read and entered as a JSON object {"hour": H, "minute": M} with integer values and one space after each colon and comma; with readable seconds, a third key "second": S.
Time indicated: {"hour": 9, "minute": 45}
